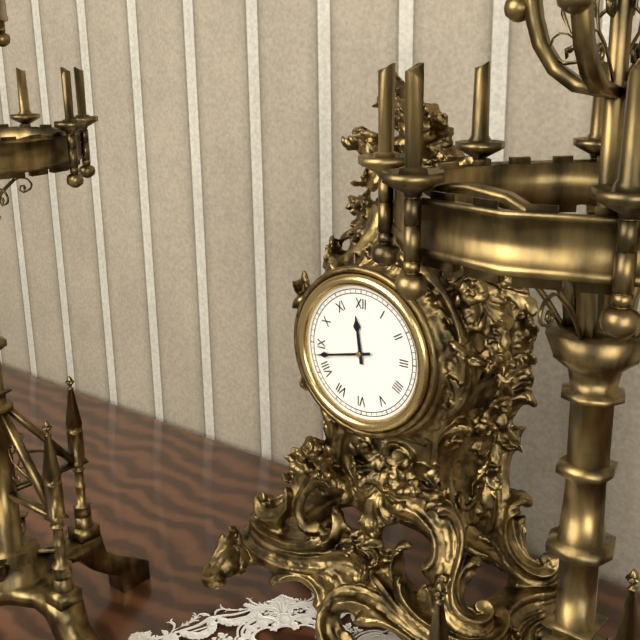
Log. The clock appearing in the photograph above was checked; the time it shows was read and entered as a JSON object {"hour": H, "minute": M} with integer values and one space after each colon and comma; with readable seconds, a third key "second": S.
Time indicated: {"hour": 11, "minute": 43}
